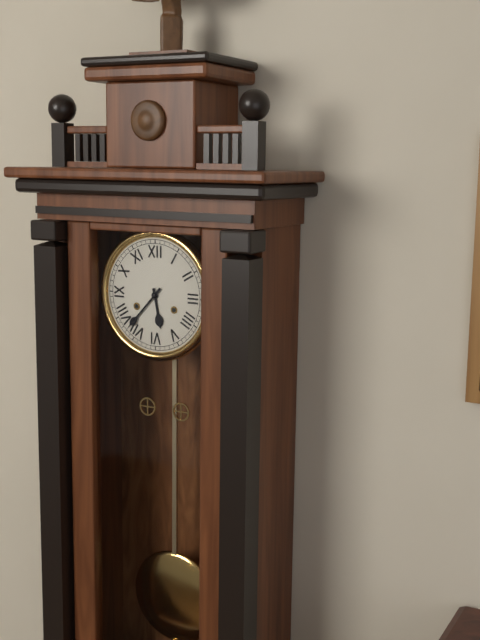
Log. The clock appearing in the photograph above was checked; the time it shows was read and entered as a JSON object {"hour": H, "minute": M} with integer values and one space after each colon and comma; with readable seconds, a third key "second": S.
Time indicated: {"hour": 5, "minute": 37}
